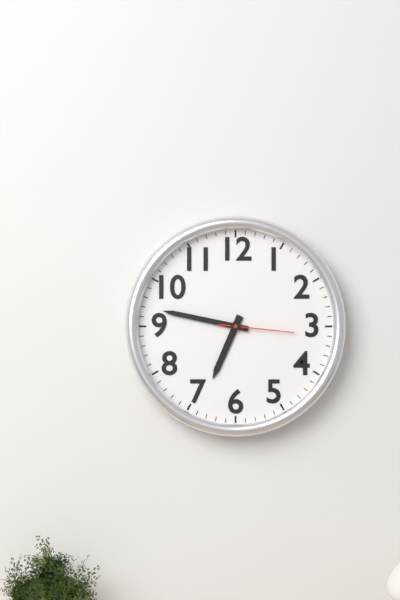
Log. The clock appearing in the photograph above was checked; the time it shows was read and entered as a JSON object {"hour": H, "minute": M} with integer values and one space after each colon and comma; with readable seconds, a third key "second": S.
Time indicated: {"hour": 6, "minute": 47, "second": 16}
